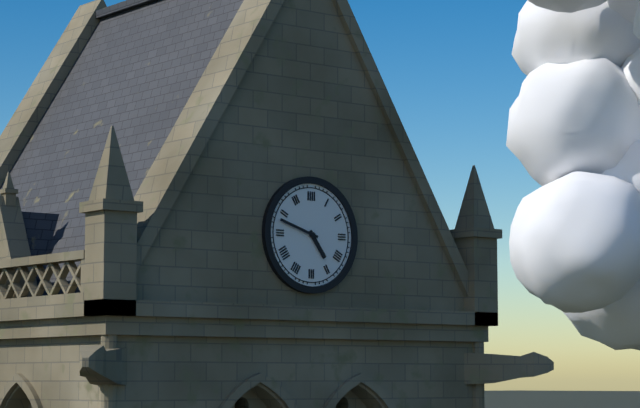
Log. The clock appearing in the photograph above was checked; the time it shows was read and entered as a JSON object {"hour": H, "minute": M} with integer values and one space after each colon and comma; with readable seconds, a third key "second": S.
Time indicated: {"hour": 4, "minute": 48}
